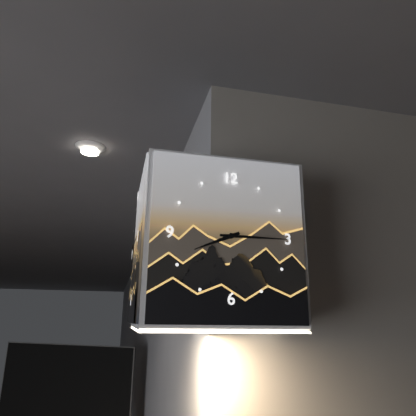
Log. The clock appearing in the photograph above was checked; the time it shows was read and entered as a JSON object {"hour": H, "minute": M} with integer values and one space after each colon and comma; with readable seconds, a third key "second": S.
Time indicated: {"hour": 8, "minute": 15}
